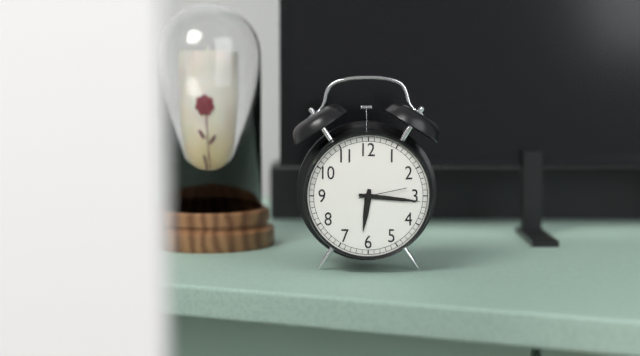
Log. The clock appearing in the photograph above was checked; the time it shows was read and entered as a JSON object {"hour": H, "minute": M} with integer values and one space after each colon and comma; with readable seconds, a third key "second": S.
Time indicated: {"hour": 6, "minute": 16}
